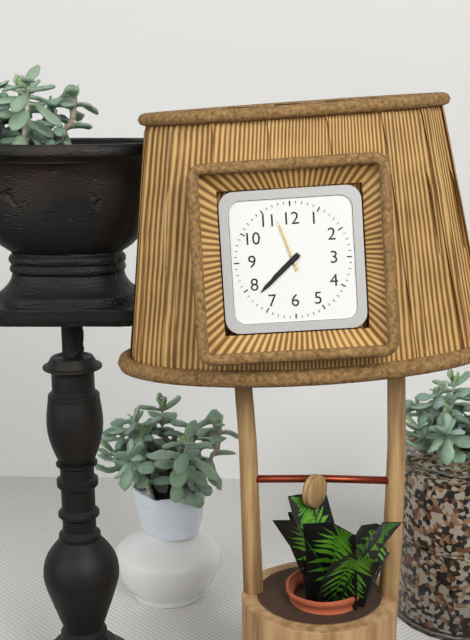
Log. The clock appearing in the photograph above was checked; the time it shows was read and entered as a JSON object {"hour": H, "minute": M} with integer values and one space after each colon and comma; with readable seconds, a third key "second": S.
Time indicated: {"hour": 7, "minute": 38, "second": 57}
